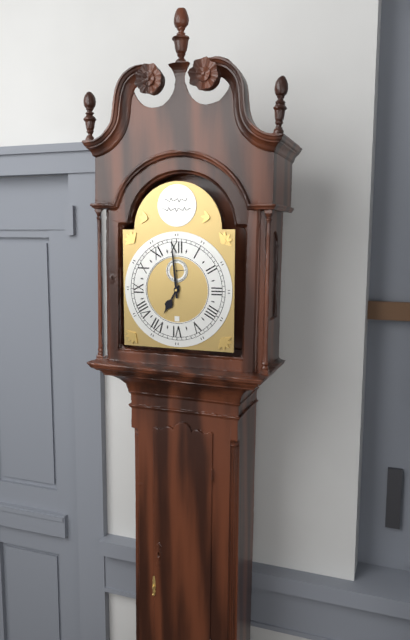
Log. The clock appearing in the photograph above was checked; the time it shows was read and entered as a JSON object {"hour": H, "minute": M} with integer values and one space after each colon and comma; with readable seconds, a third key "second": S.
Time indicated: {"hour": 6, "minute": 59}
